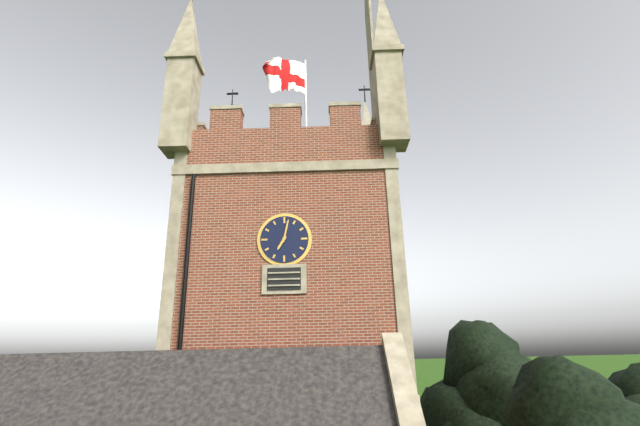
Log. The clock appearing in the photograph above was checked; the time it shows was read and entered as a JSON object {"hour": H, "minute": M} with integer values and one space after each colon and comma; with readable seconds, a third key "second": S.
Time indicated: {"hour": 7, "minute": 2}
